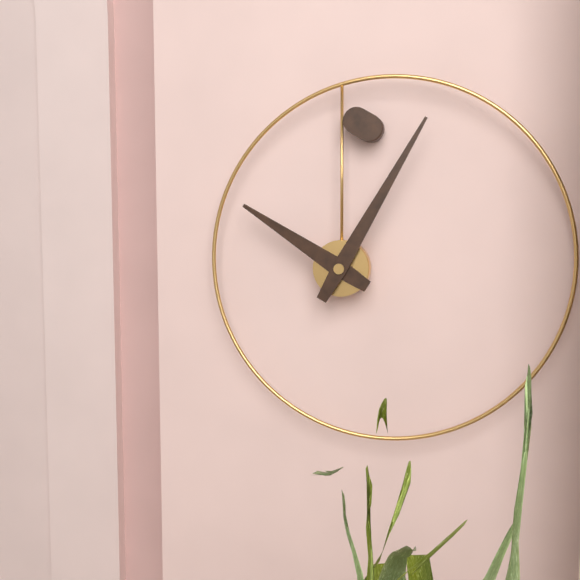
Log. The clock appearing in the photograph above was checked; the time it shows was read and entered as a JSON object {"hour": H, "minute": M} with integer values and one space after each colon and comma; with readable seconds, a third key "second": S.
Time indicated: {"hour": 10, "minute": 5}
